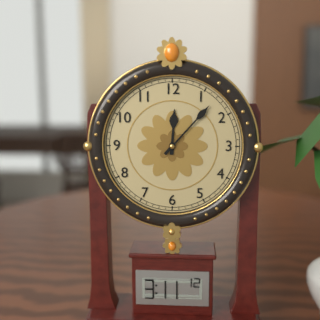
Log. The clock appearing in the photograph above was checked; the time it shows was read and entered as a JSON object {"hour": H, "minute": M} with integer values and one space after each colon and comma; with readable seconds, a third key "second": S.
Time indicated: {"hour": 12, "minute": 7}
